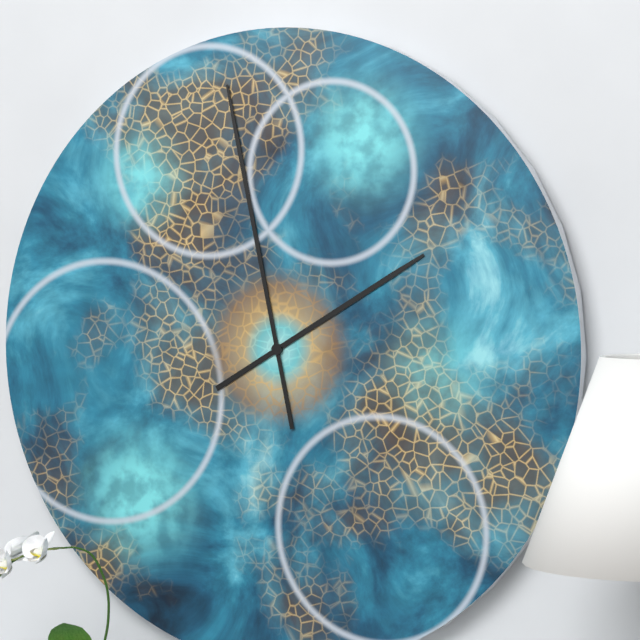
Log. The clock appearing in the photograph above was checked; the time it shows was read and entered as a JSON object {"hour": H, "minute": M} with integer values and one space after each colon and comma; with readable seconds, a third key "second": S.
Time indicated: {"hour": 1, "minute": 58}
